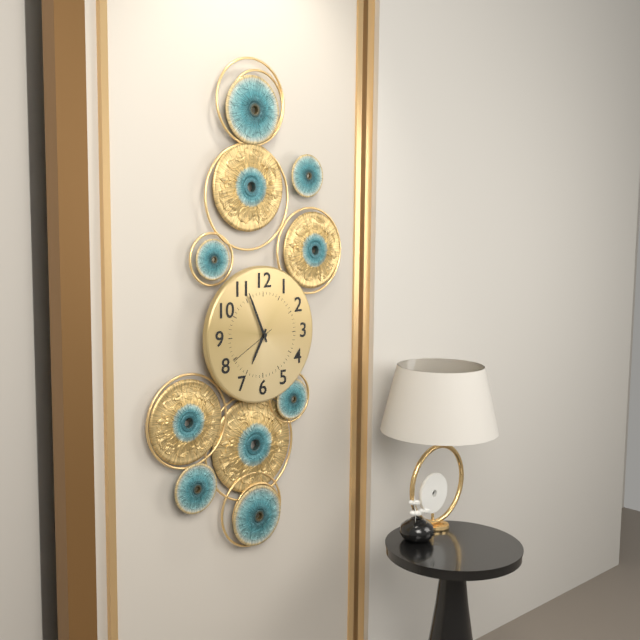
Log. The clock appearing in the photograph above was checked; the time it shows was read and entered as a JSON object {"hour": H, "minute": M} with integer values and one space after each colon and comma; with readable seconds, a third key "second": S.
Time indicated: {"hour": 6, "minute": 56}
